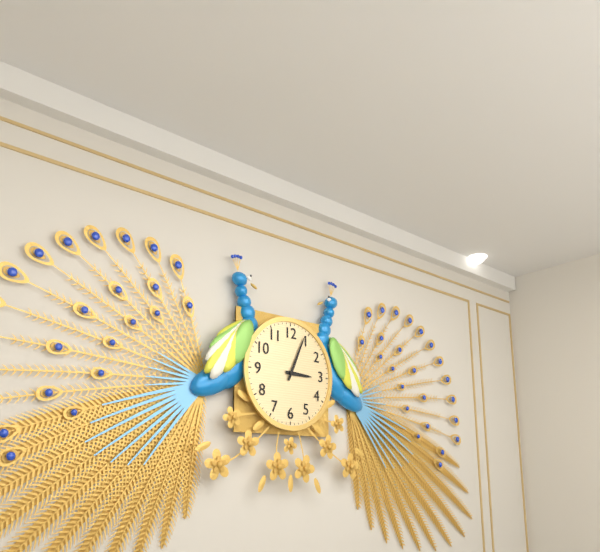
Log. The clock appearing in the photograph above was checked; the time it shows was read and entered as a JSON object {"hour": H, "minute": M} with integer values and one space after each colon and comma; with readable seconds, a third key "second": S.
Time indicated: {"hour": 3, "minute": 4}
